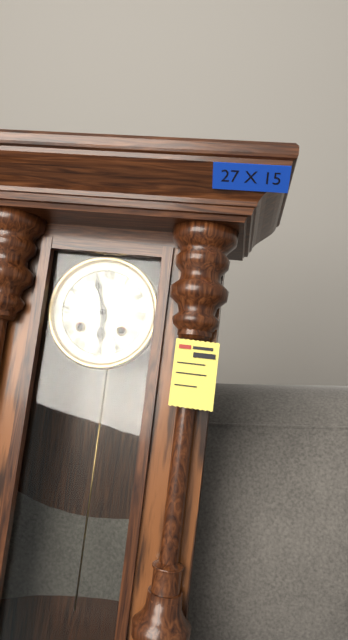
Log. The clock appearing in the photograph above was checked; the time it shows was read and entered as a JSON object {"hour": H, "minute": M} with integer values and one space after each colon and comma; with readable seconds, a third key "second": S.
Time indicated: {"hour": 5, "minute": 57}
